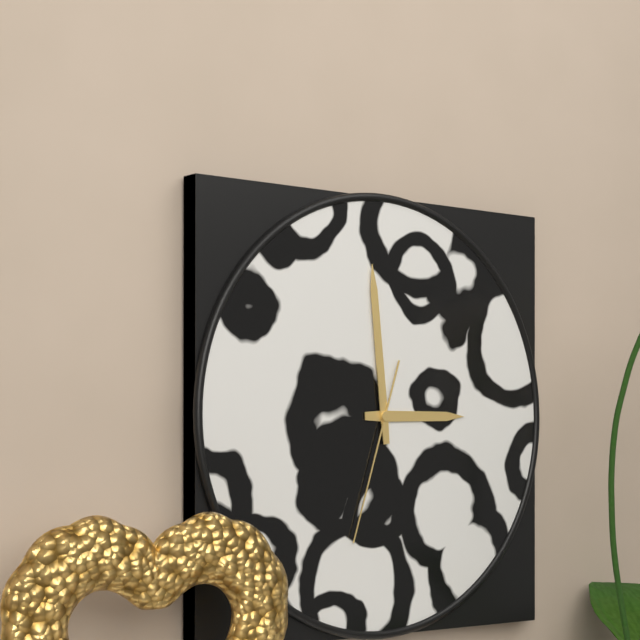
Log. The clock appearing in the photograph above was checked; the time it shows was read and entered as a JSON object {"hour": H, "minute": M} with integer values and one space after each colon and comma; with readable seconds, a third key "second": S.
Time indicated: {"hour": 2, "minute": 59, "second": 33}
